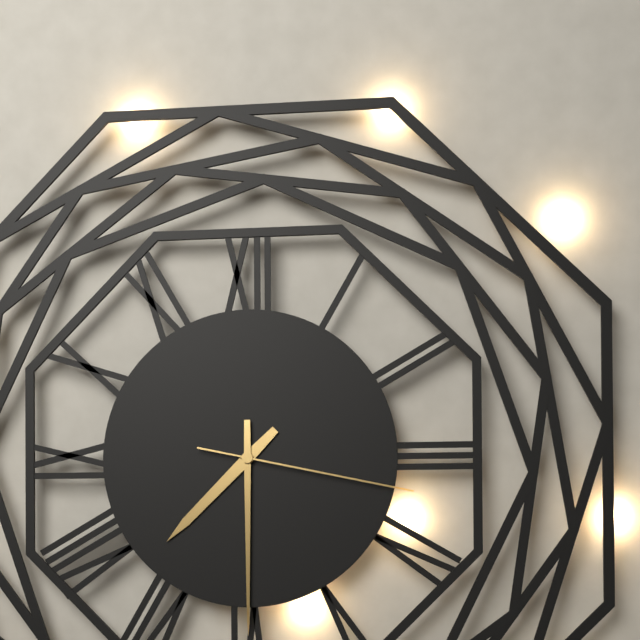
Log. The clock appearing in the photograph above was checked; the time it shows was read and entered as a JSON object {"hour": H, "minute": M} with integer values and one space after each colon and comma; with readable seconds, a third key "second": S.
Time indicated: {"hour": 7, "minute": 30, "second": 17}
